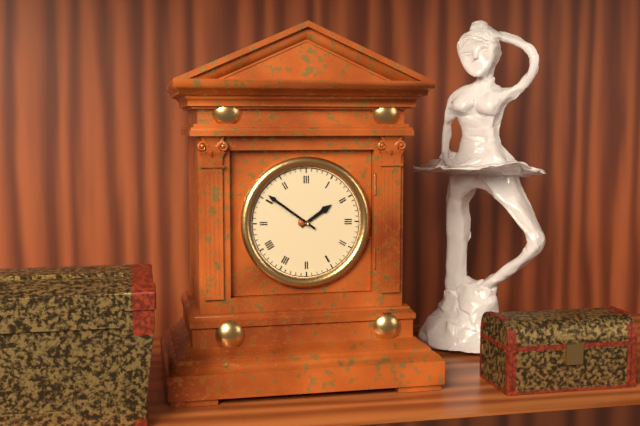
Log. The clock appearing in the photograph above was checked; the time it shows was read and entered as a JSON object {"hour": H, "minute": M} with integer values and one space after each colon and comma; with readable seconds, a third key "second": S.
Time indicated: {"hour": 1, "minute": 51}
